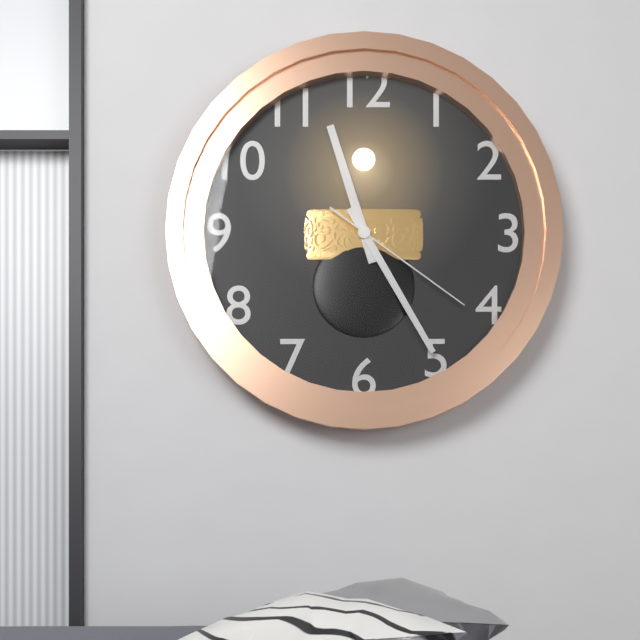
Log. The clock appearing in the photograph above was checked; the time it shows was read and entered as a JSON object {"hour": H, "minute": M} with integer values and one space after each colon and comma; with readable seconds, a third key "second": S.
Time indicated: {"hour": 11, "minute": 25, "second": 21}
